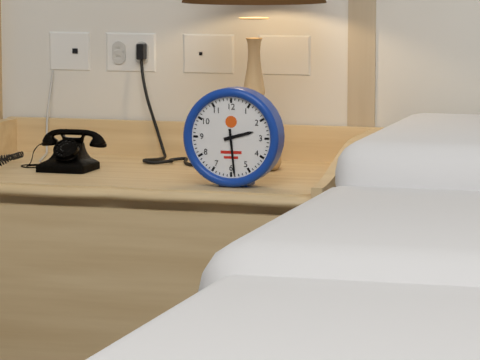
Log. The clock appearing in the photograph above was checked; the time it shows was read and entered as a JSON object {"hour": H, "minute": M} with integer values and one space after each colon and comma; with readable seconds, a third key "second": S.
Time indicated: {"hour": 2, "minute": 29}
